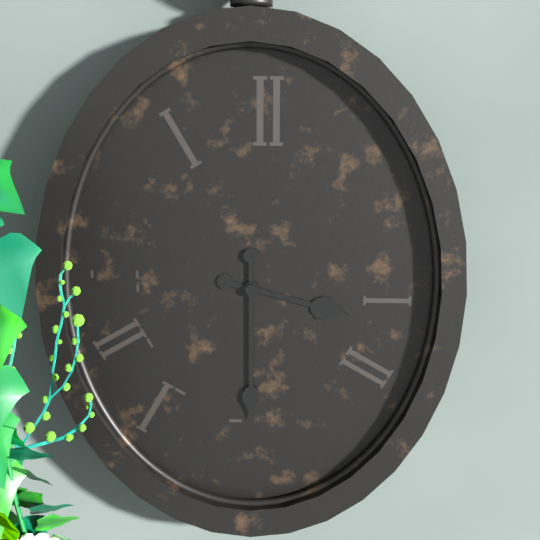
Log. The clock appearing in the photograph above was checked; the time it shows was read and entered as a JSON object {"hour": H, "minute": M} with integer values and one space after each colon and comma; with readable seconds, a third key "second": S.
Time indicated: {"hour": 3, "minute": 30}
